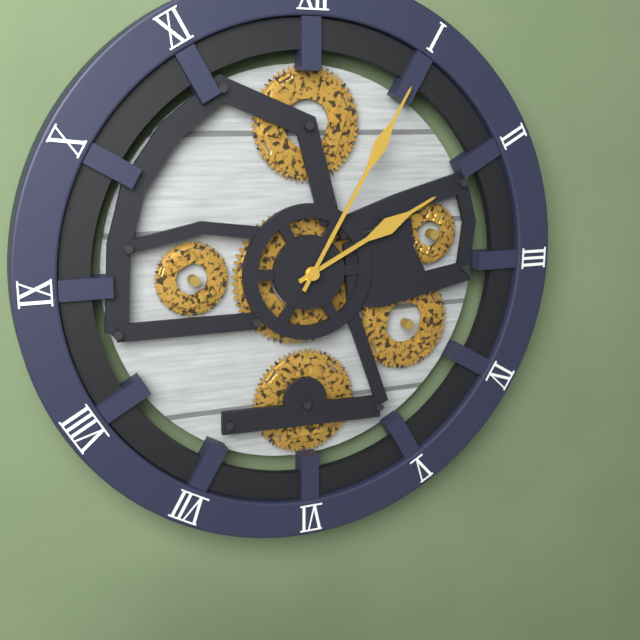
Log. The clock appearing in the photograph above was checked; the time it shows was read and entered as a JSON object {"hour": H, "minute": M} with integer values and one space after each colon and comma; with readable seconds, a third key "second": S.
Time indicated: {"hour": 2, "minute": 5}
